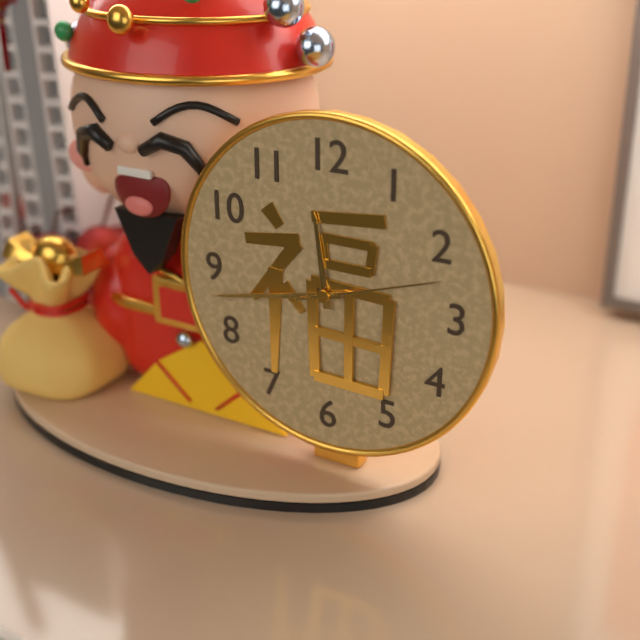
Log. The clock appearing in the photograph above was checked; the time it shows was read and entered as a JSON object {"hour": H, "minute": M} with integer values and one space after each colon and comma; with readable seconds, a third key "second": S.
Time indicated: {"hour": 11, "minute": 43, "second": 12}
